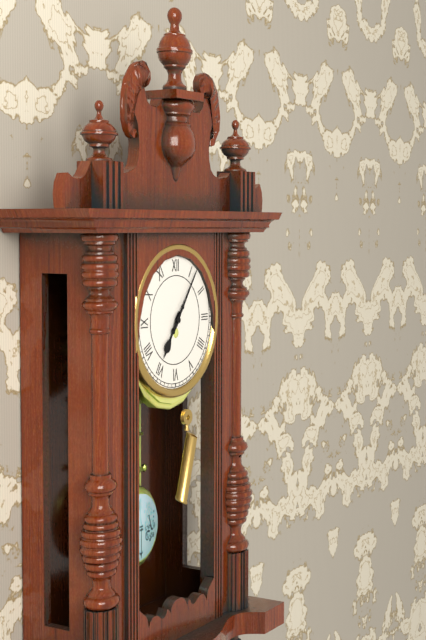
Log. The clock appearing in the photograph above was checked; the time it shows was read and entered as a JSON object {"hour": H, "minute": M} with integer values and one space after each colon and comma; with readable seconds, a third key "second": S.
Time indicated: {"hour": 7, "minute": 6}
